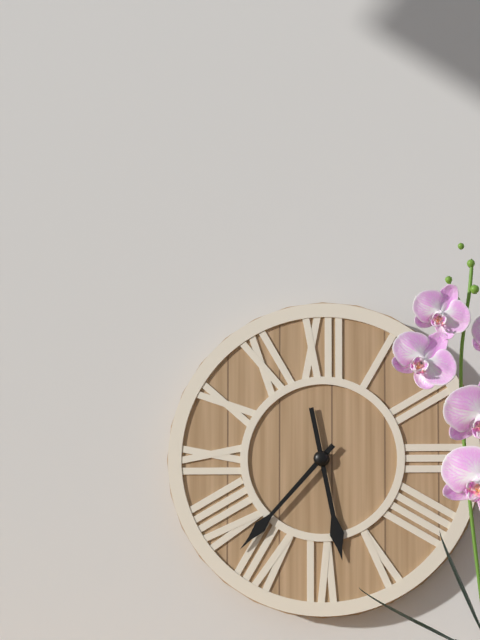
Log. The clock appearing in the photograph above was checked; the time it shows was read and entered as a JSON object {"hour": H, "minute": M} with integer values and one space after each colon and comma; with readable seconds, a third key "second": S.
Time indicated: {"hour": 5, "minute": 37}
